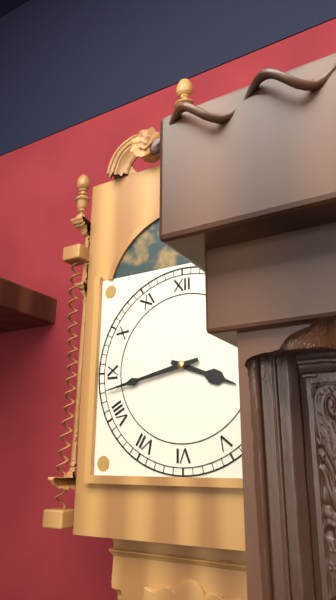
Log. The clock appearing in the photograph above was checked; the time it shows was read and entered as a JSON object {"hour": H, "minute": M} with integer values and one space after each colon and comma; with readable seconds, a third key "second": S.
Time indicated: {"hour": 3, "minute": 43}
